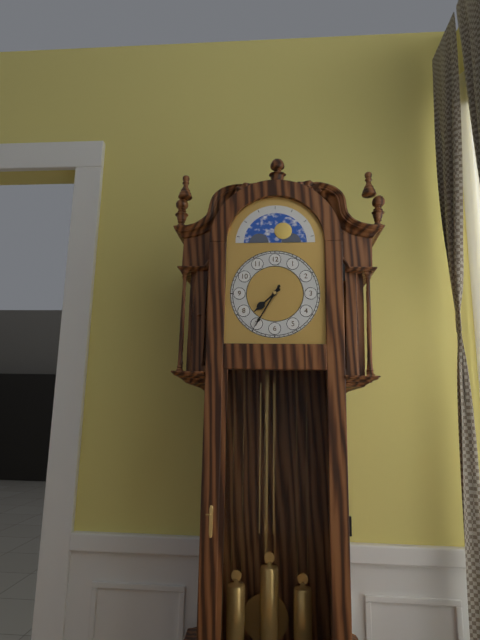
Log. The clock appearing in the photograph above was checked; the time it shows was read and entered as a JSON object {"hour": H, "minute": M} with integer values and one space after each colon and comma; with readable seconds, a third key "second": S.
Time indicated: {"hour": 7, "minute": 35}
